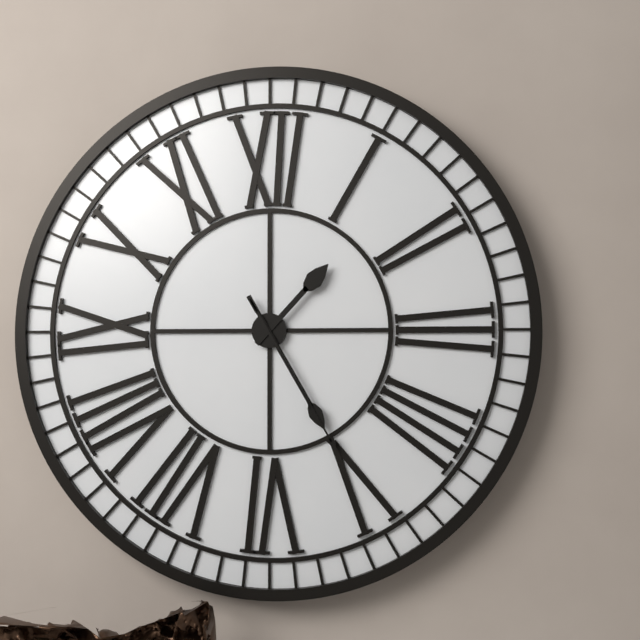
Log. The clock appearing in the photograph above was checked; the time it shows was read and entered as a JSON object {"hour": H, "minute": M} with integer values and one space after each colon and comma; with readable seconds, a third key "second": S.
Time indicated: {"hour": 1, "minute": 25, "second": 25}
